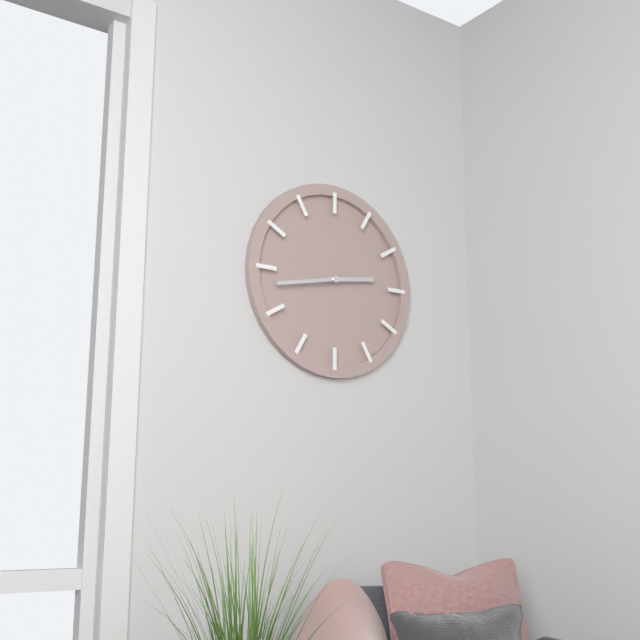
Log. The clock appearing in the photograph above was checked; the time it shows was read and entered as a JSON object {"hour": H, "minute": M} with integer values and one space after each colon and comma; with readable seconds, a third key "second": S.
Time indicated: {"hour": 2, "minute": 43}
